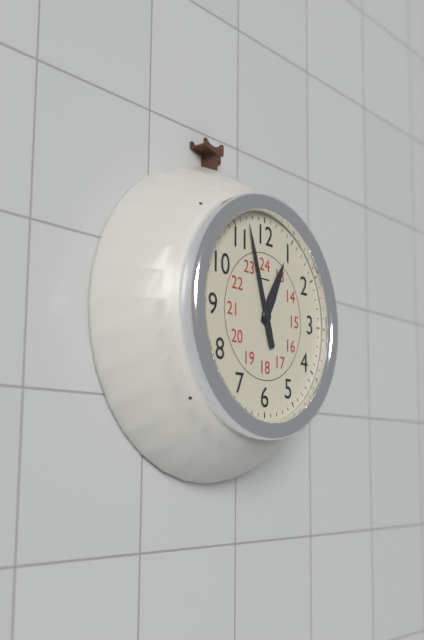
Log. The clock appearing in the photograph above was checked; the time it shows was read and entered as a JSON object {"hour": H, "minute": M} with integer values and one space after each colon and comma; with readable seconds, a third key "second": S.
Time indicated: {"hour": 12, "minute": 57}
